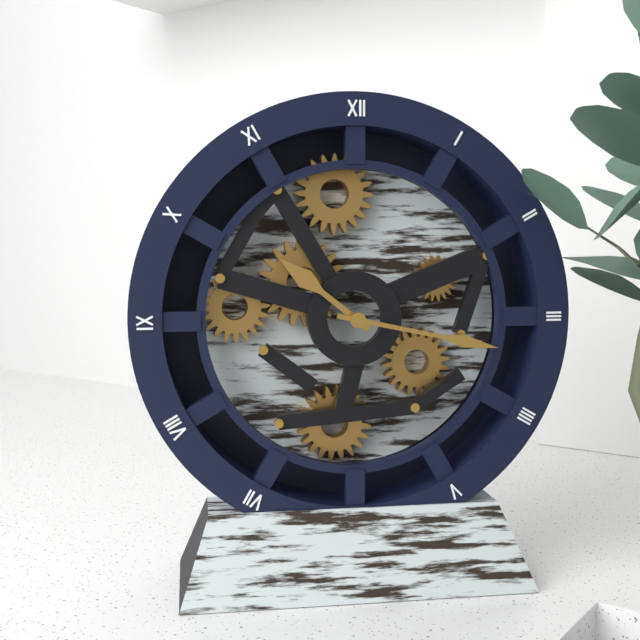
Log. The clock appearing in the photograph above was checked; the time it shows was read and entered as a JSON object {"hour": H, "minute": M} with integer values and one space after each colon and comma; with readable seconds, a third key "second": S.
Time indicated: {"hour": 10, "minute": 17}
